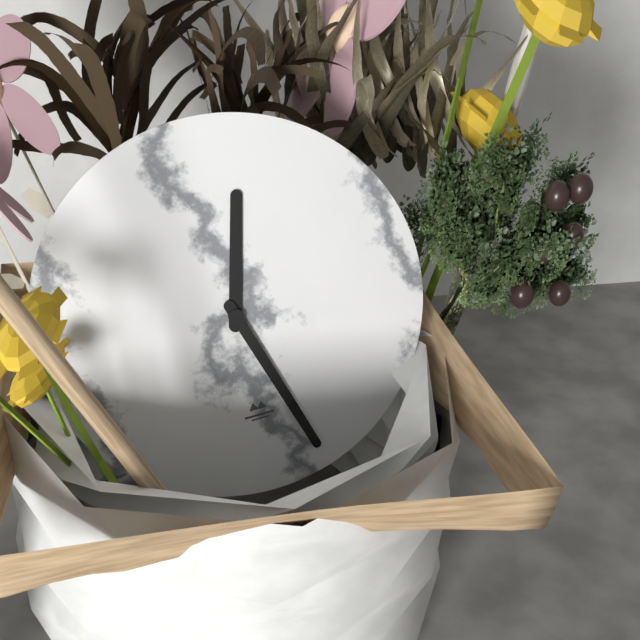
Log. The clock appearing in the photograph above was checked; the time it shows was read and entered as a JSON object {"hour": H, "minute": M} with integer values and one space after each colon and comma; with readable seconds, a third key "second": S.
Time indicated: {"hour": 12, "minute": 27}
